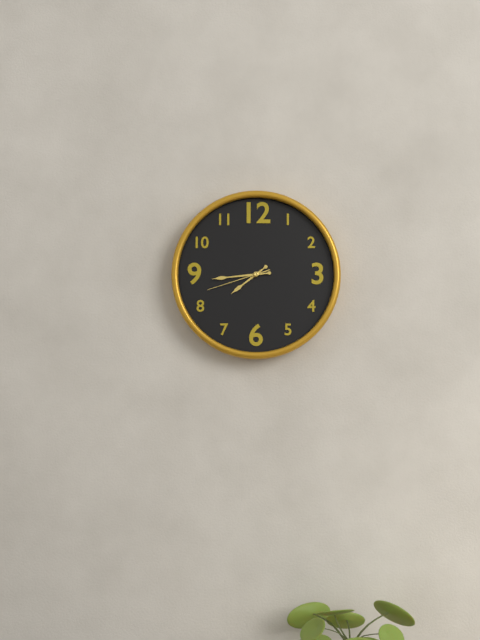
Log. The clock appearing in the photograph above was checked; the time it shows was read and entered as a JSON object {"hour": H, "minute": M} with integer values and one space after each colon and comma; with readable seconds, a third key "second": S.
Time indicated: {"hour": 7, "minute": 44, "second": 42}
